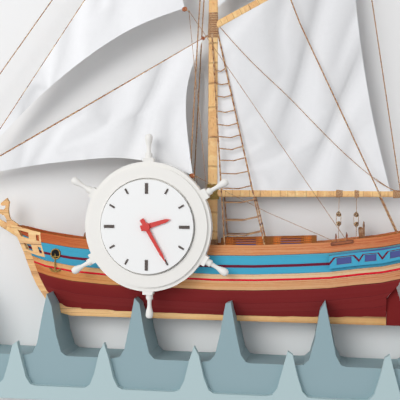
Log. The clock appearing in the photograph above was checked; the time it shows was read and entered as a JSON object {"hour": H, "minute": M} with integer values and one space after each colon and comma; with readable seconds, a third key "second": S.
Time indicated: {"hour": 2, "minute": 25}
